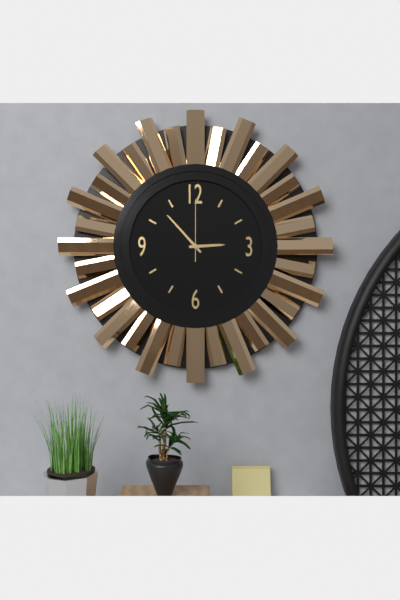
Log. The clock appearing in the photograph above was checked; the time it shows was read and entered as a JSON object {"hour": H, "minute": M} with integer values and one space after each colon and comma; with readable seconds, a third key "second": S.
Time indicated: {"hour": 2, "minute": 53, "second": 0}
